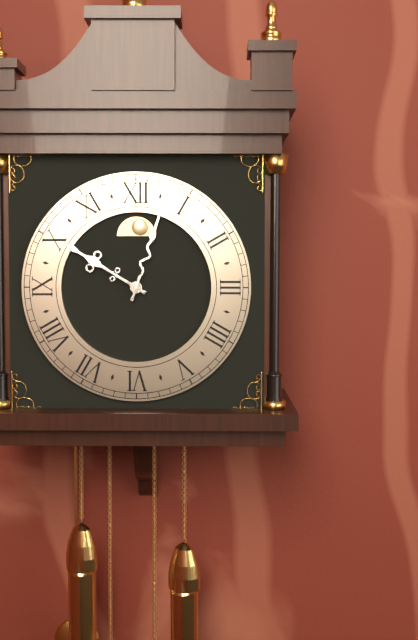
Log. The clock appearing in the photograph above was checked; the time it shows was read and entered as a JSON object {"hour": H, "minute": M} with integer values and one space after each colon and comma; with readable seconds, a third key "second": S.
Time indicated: {"hour": 10, "minute": 3}
